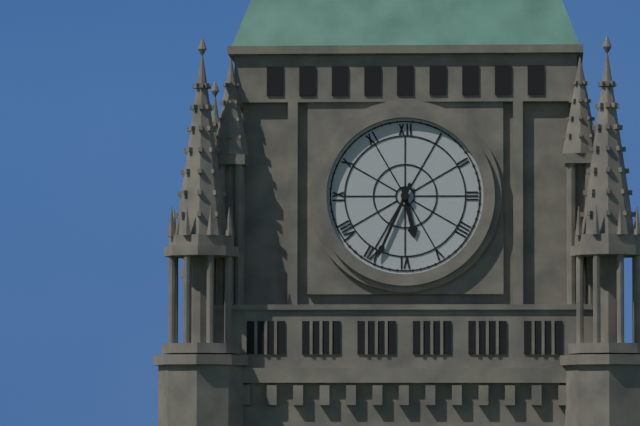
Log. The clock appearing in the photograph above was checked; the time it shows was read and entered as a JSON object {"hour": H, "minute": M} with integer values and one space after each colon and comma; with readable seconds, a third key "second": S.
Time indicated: {"hour": 5, "minute": 34}
